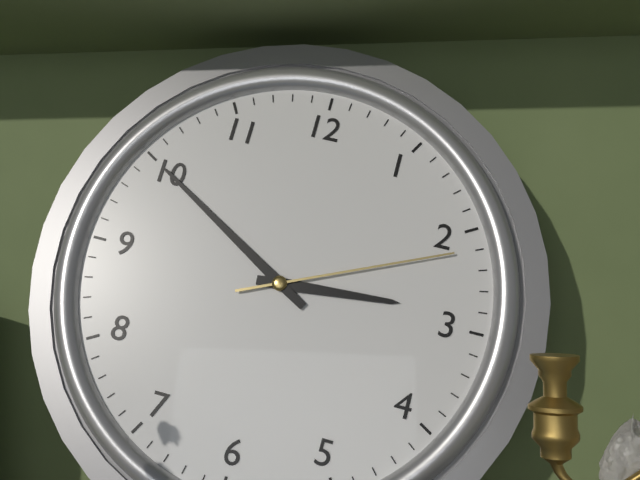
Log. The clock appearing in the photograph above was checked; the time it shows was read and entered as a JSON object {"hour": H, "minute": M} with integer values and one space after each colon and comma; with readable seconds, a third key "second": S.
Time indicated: {"hour": 2, "minute": 50, "second": 11}
